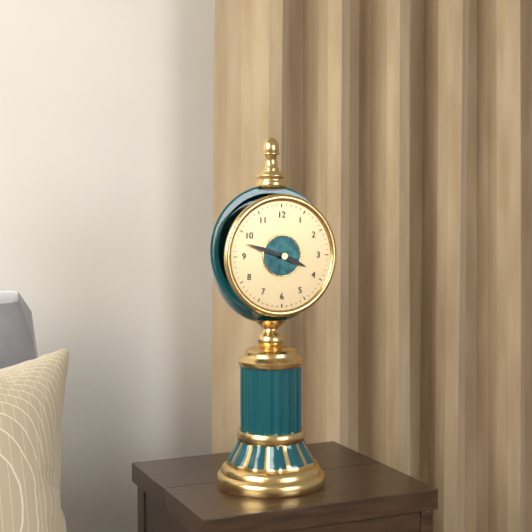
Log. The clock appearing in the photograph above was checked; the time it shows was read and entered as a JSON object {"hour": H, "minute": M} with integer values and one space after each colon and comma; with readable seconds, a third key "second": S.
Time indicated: {"hour": 3, "minute": 48}
